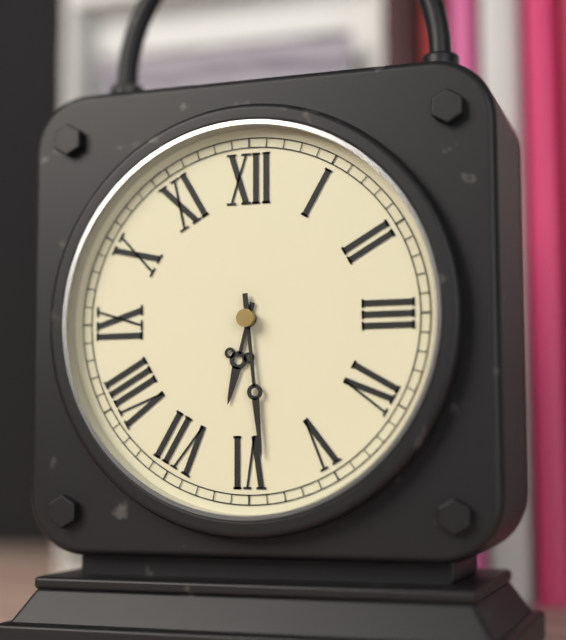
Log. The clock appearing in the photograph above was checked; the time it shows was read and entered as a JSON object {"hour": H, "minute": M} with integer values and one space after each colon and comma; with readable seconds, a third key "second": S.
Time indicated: {"hour": 6, "minute": 29}
